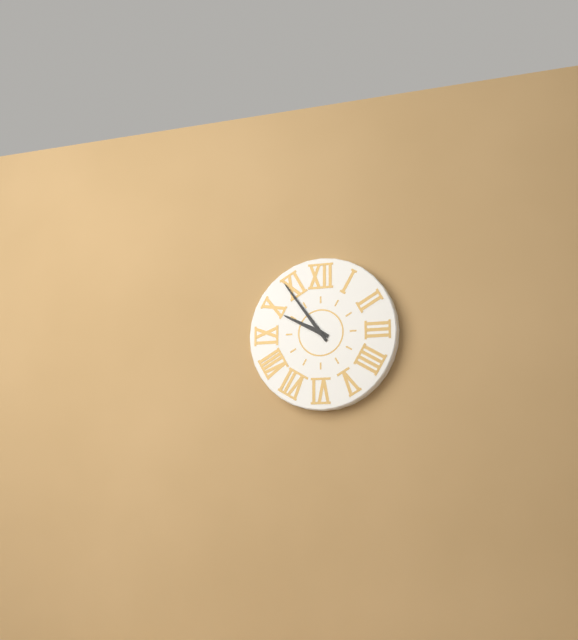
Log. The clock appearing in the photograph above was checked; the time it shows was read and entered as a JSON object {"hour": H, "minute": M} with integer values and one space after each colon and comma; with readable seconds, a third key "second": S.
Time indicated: {"hour": 9, "minute": 54}
